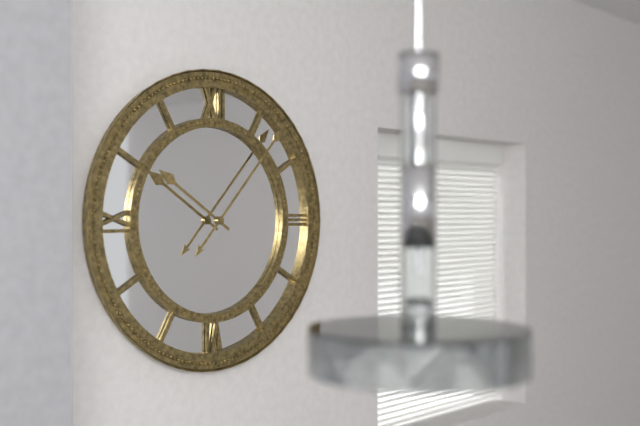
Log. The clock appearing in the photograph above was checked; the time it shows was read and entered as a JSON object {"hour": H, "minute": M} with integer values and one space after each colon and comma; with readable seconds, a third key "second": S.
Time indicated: {"hour": 10, "minute": 7}
